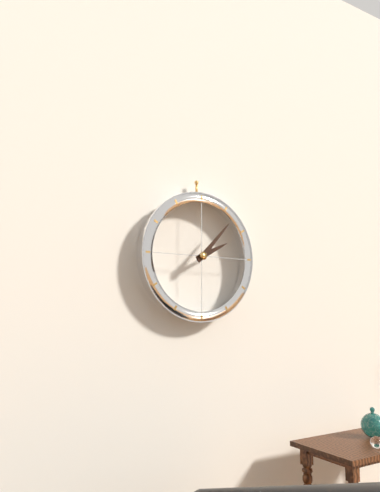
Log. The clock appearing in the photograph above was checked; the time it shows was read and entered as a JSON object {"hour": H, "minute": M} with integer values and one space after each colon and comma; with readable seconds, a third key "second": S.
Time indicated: {"hour": 2, "minute": 7}
